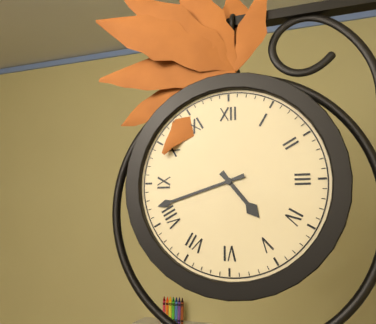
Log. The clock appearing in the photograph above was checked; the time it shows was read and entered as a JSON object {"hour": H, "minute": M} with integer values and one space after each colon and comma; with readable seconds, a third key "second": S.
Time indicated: {"hour": 4, "minute": 42}
